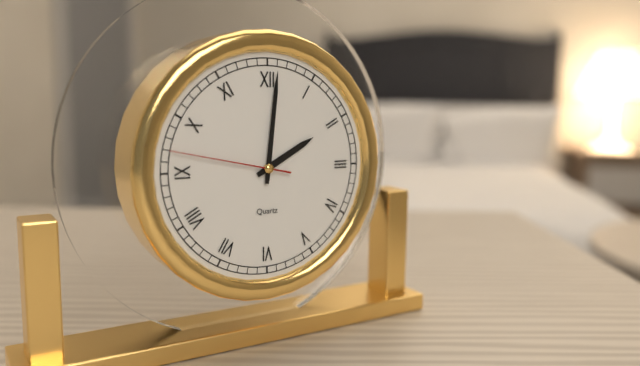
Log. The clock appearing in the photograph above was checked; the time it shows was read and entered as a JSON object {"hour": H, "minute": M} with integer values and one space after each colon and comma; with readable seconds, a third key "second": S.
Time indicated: {"hour": 2, "minute": 1, "second": 47}
